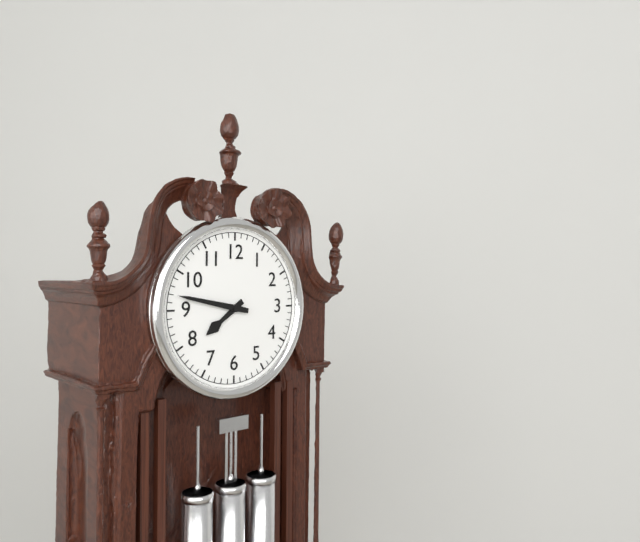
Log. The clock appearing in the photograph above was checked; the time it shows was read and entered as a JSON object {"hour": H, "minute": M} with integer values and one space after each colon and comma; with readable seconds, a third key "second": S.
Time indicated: {"hour": 7, "minute": 47}
